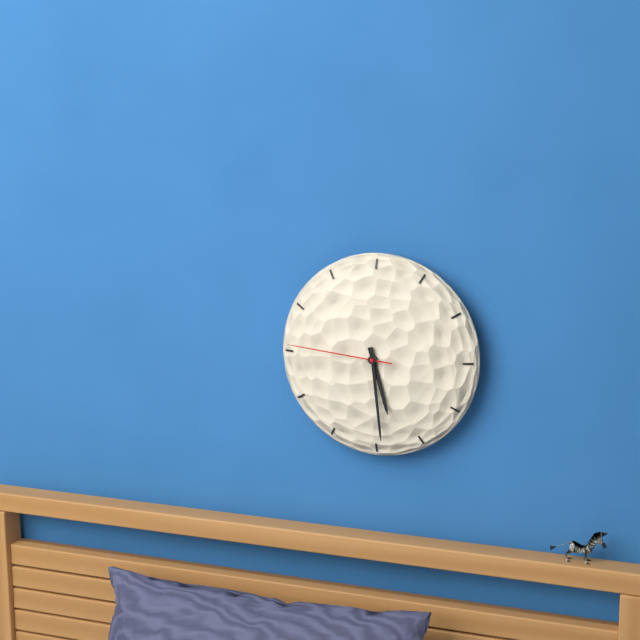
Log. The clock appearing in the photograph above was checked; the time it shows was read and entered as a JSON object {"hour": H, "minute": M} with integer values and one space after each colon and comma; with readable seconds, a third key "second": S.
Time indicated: {"hour": 5, "minute": 29, "second": 46}
